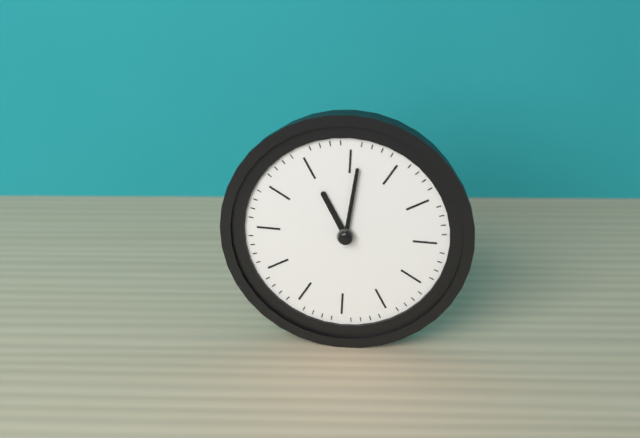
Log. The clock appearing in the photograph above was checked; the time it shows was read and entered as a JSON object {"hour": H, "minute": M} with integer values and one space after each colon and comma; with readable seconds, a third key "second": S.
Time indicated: {"hour": 11, "minute": 1}
